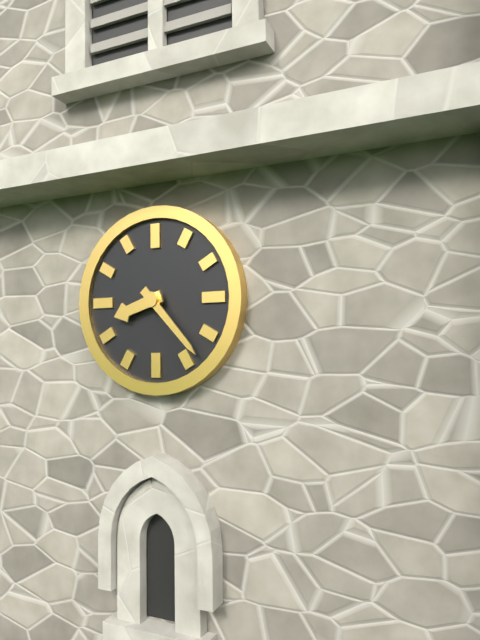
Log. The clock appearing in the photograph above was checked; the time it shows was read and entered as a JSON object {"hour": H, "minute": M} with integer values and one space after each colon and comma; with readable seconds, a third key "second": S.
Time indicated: {"hour": 8, "minute": 23}
